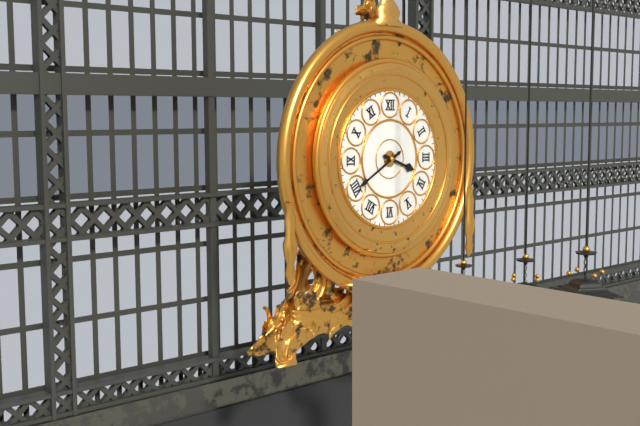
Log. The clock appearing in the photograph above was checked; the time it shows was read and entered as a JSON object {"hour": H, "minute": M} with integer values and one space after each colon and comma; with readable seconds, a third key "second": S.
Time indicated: {"hour": 3, "minute": 40}
